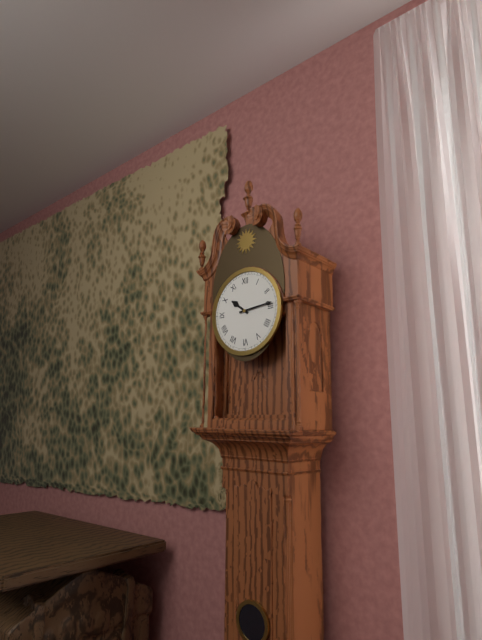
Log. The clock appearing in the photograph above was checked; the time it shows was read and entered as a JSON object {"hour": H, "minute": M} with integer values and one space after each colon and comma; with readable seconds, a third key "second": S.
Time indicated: {"hour": 10, "minute": 14}
